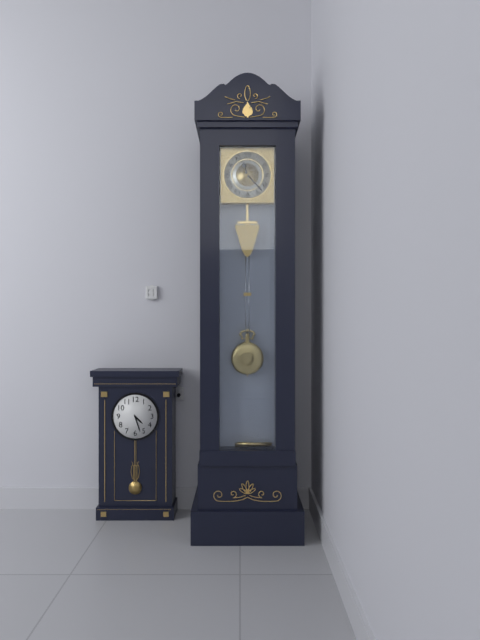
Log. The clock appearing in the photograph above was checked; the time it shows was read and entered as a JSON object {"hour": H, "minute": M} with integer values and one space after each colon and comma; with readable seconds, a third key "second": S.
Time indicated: {"hour": 11, "minute": 23}
